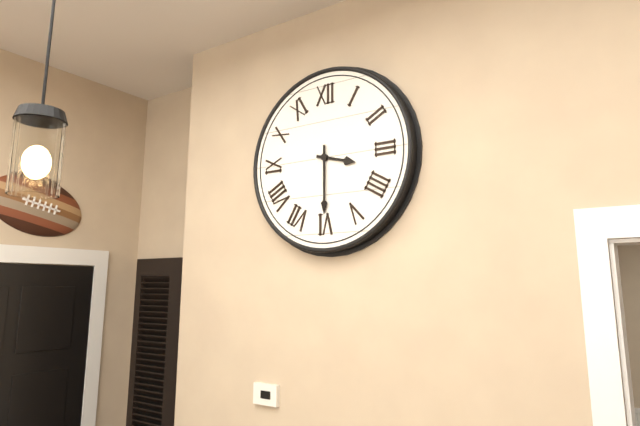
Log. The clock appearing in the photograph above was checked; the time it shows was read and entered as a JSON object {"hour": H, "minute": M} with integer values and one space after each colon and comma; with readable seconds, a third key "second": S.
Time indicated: {"hour": 3, "minute": 30}
